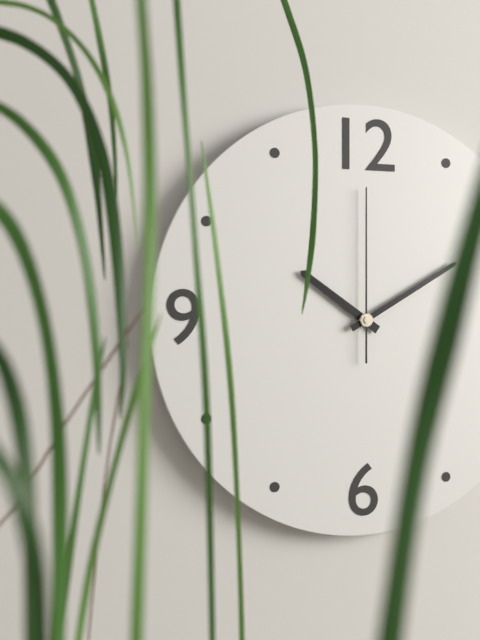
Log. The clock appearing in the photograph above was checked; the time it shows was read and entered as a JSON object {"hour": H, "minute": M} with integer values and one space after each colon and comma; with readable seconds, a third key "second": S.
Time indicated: {"hour": 10, "minute": 10, "second": 0}
